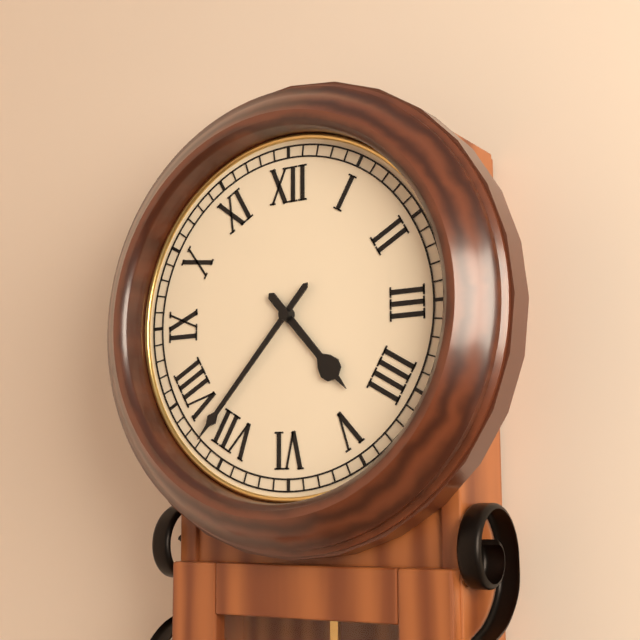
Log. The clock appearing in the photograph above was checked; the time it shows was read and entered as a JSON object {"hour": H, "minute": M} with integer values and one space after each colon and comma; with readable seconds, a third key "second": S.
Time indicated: {"hour": 4, "minute": 37}
